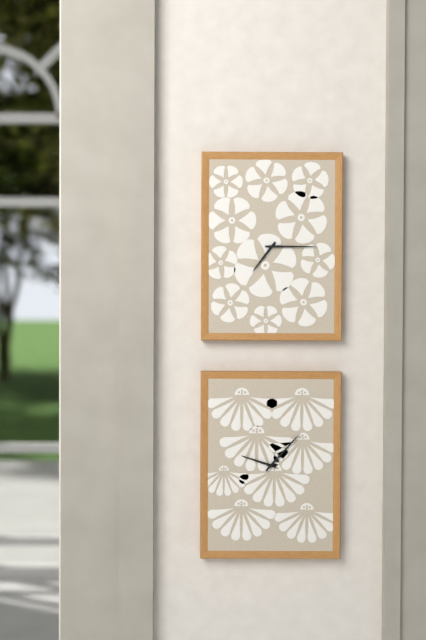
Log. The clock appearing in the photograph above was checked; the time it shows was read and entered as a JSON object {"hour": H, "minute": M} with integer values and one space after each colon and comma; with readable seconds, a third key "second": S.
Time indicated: {"hour": 7, "minute": 15}
